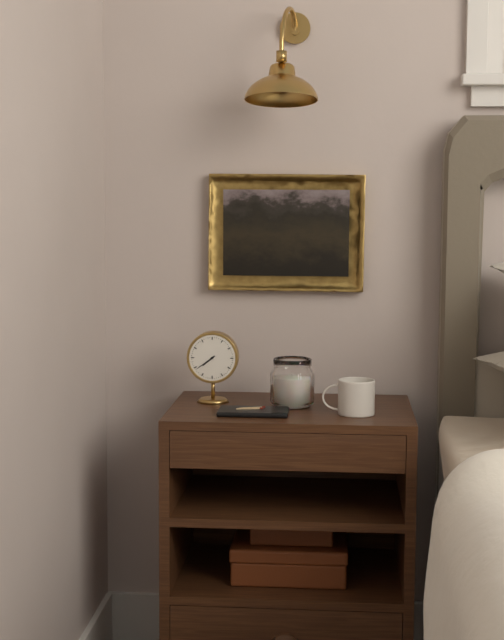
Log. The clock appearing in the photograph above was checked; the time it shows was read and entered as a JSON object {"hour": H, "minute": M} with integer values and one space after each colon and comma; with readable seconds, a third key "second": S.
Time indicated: {"hour": 7, "minute": 39}
